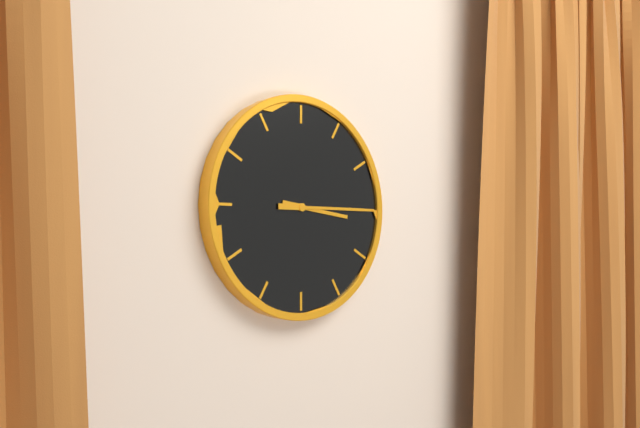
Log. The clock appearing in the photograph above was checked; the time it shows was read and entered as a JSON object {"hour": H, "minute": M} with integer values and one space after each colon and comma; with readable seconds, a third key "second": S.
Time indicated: {"hour": 3, "minute": 15}
